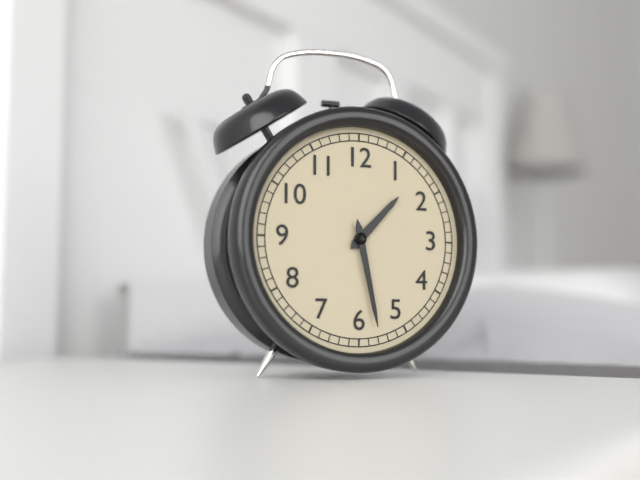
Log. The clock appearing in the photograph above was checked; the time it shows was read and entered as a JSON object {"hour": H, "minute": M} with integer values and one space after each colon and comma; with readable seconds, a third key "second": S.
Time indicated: {"hour": 1, "minute": 28}
